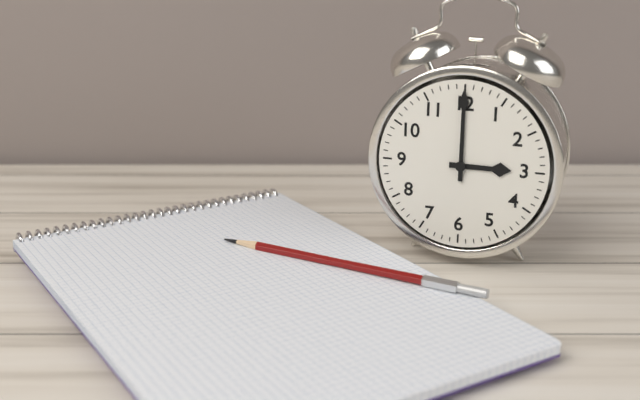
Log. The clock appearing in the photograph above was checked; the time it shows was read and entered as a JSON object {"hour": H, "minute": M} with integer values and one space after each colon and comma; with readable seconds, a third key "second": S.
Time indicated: {"hour": 3, "minute": 0}
